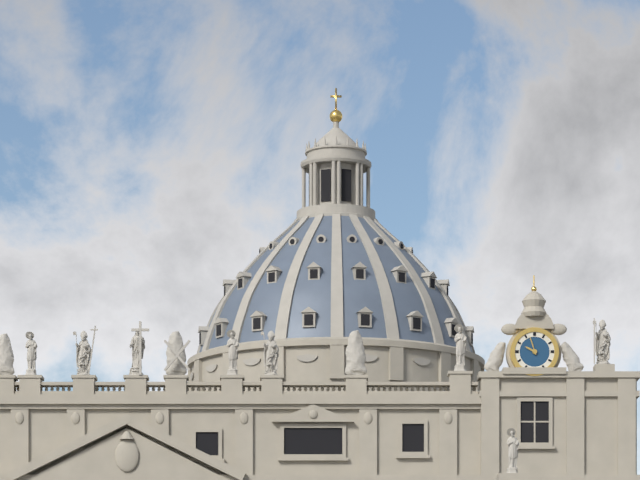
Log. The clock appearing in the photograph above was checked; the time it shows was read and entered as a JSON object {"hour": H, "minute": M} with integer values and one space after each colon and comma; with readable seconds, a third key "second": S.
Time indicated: {"hour": 9, "minute": 57}
